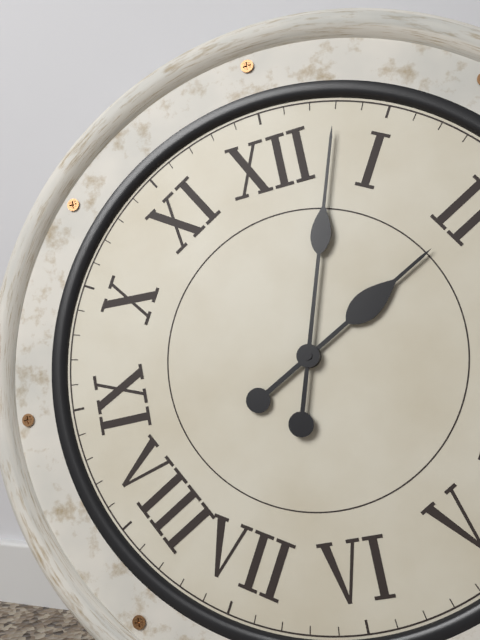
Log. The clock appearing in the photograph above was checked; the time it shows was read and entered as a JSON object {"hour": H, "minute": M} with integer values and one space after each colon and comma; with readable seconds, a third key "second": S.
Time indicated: {"hour": 2, "minute": 3}
